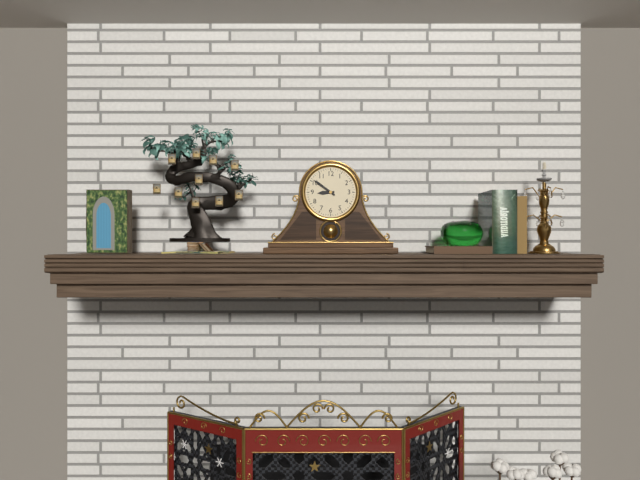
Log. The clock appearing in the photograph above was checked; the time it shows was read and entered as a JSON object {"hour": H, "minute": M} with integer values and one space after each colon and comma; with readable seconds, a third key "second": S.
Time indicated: {"hour": 8, "minute": 51}
